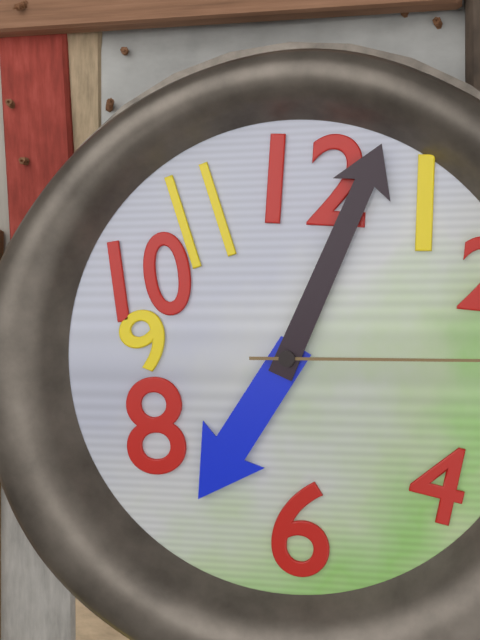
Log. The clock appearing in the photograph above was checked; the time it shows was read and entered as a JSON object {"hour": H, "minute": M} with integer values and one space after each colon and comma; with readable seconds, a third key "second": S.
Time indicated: {"hour": 7, "minute": 4}
